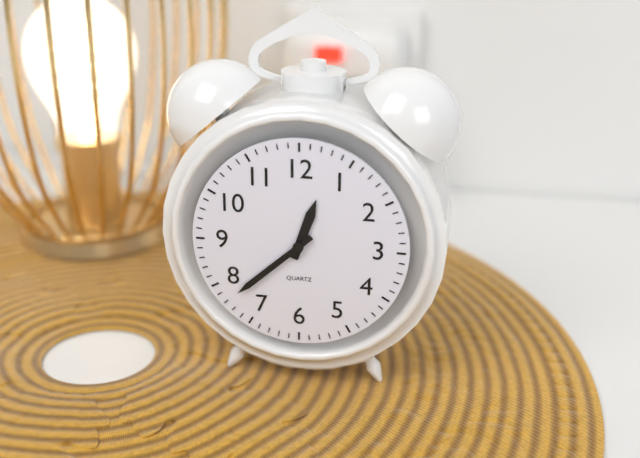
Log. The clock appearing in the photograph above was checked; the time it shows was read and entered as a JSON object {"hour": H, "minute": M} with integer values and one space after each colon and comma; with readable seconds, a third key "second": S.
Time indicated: {"hour": 12, "minute": 38}
